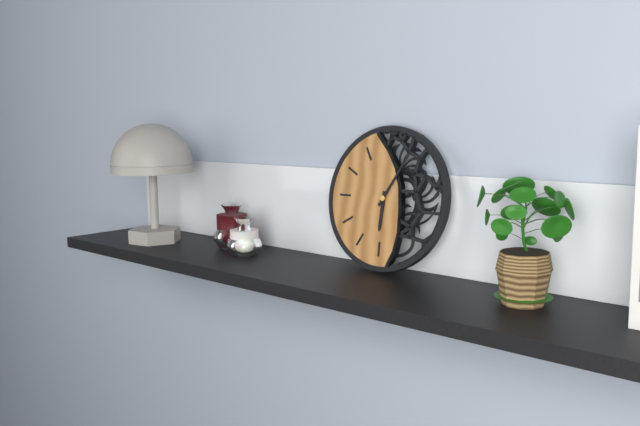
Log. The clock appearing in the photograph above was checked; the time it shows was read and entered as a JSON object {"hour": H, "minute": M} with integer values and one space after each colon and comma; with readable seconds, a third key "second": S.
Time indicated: {"hour": 6, "minute": 5}
